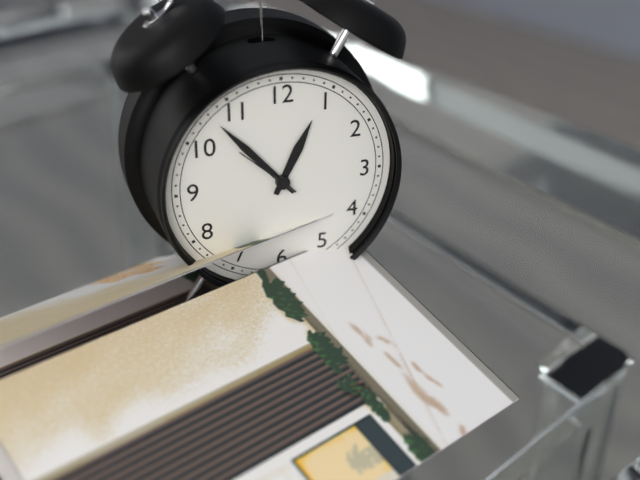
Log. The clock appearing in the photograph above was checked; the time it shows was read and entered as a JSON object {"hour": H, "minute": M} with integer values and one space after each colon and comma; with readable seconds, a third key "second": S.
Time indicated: {"hour": 12, "minute": 53, "second": 52}
